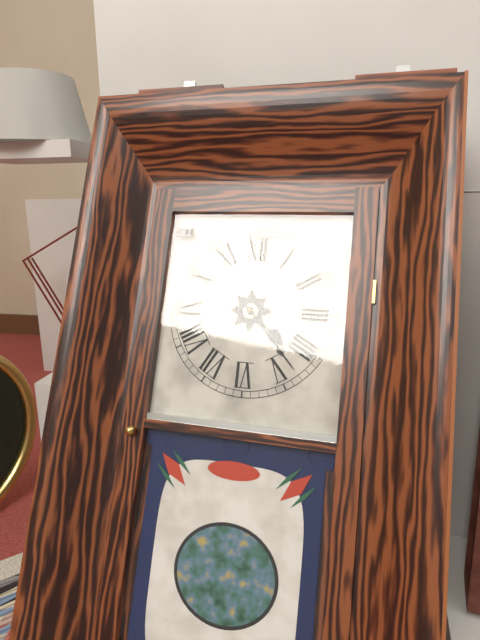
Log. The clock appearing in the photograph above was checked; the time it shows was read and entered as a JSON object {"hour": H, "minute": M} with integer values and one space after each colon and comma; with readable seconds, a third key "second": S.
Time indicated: {"hour": 4, "minute": 23}
